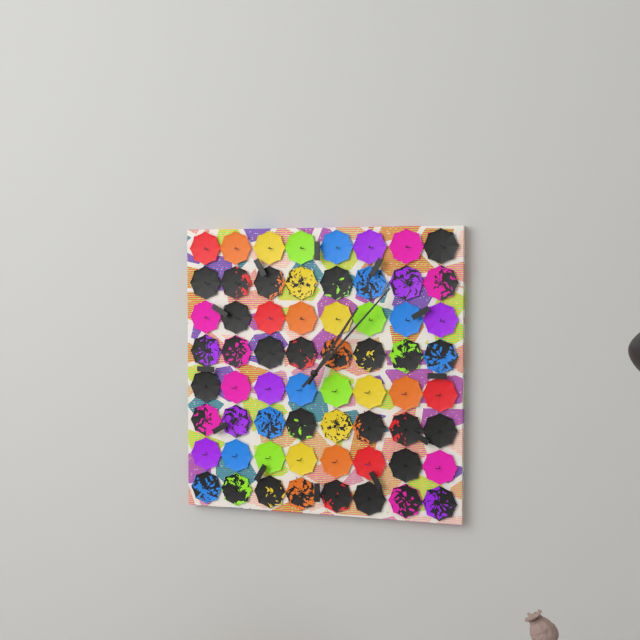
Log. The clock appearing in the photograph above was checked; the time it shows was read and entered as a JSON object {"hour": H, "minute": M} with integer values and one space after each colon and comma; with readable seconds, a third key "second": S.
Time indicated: {"hour": 1, "minute": 7}
